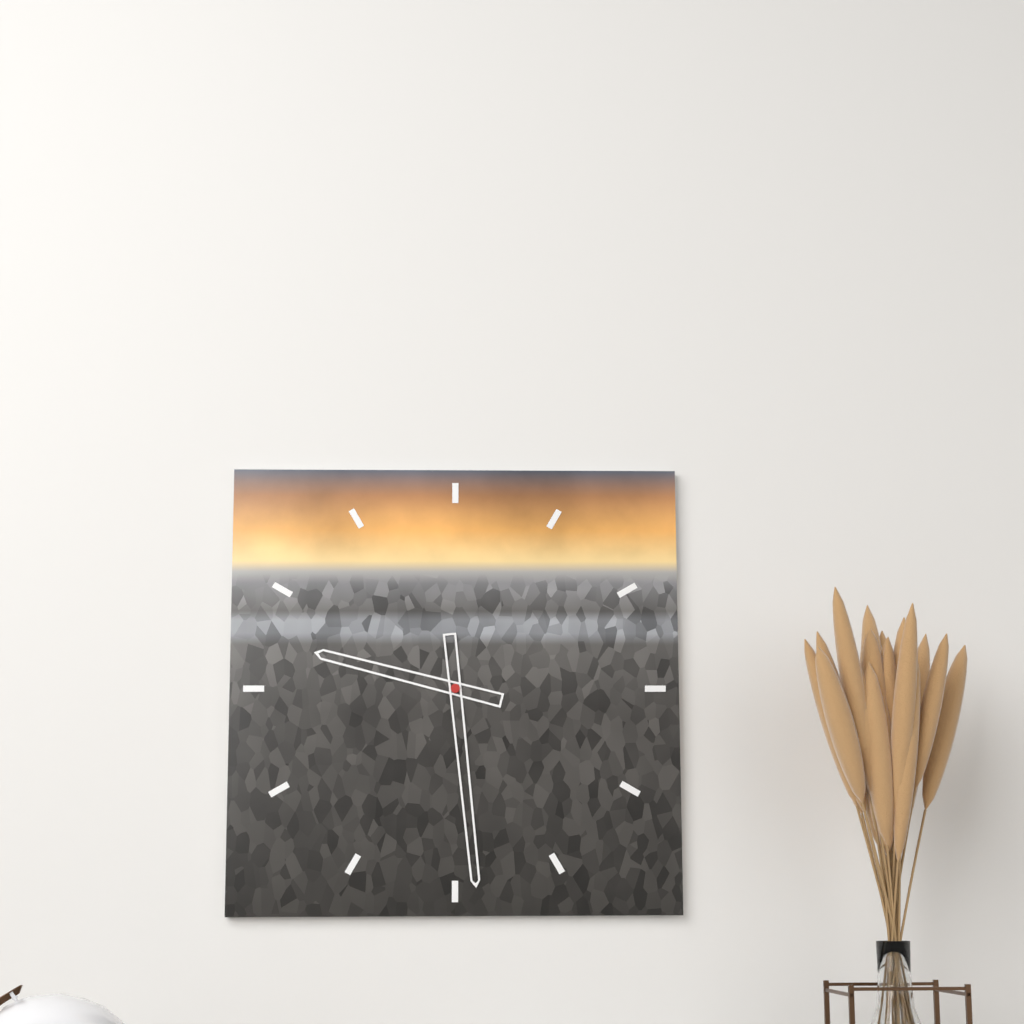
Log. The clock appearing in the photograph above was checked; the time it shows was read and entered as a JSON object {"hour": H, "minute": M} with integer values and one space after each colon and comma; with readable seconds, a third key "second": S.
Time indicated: {"hour": 9, "minute": 29}
